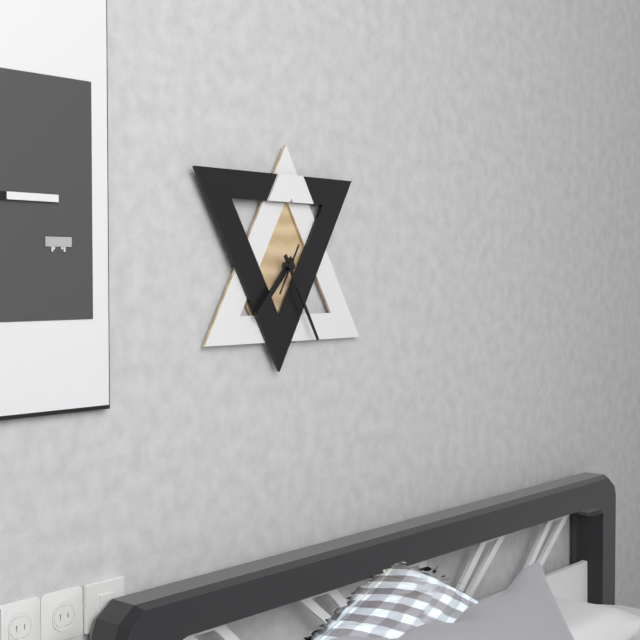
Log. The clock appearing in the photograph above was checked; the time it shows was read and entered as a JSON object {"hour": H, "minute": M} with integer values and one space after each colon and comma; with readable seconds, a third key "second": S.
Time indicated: {"hour": 7, "minute": 25}
